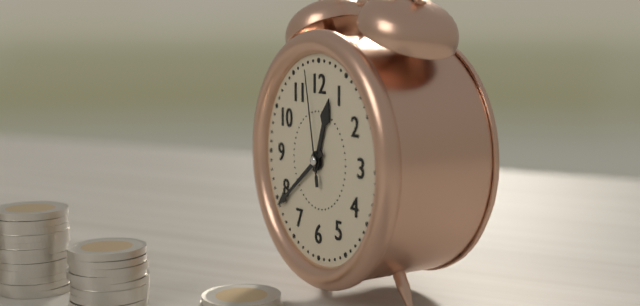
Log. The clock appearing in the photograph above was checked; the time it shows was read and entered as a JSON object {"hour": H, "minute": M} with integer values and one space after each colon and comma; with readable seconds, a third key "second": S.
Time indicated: {"hour": 12, "minute": 39, "second": 58}
